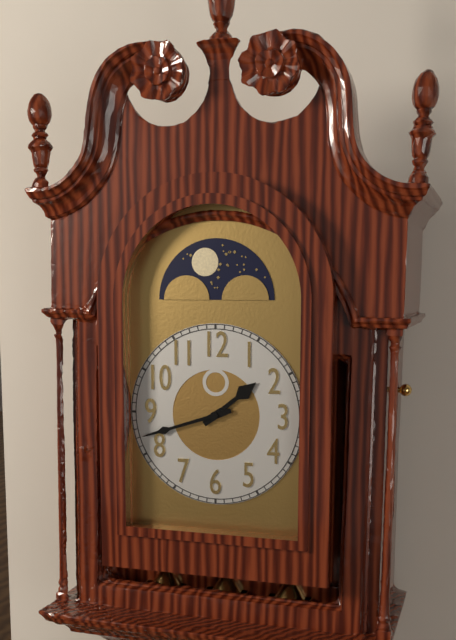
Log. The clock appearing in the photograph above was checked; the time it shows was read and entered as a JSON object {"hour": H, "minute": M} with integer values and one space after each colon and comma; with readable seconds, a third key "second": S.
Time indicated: {"hour": 1, "minute": 42}
